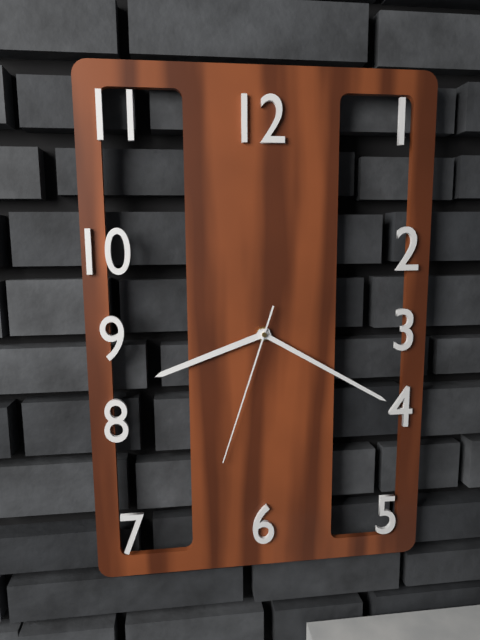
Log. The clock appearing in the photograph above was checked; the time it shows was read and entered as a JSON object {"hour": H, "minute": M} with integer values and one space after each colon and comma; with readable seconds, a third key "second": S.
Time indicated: {"hour": 8, "minute": 20, "second": 33}
